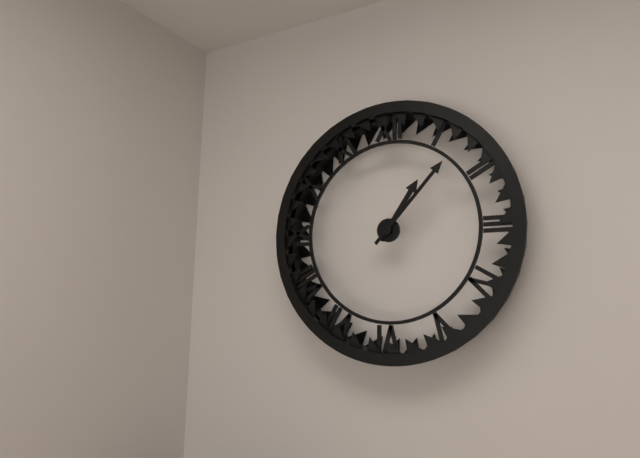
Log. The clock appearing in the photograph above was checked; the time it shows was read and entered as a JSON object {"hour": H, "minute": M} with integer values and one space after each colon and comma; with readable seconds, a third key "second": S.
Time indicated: {"hour": 1, "minute": 7}
